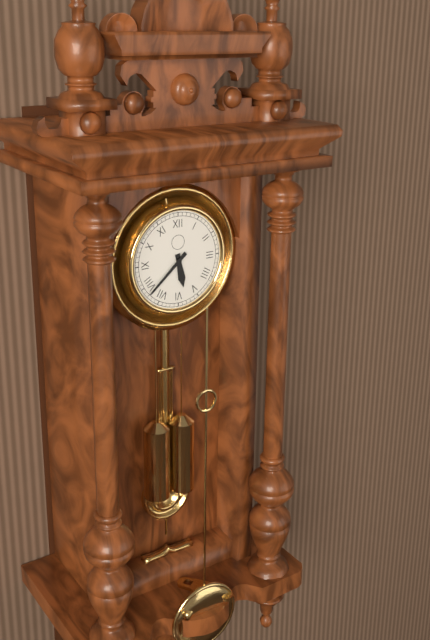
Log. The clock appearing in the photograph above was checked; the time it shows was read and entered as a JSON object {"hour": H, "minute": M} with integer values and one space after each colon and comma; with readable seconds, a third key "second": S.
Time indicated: {"hour": 5, "minute": 38}
